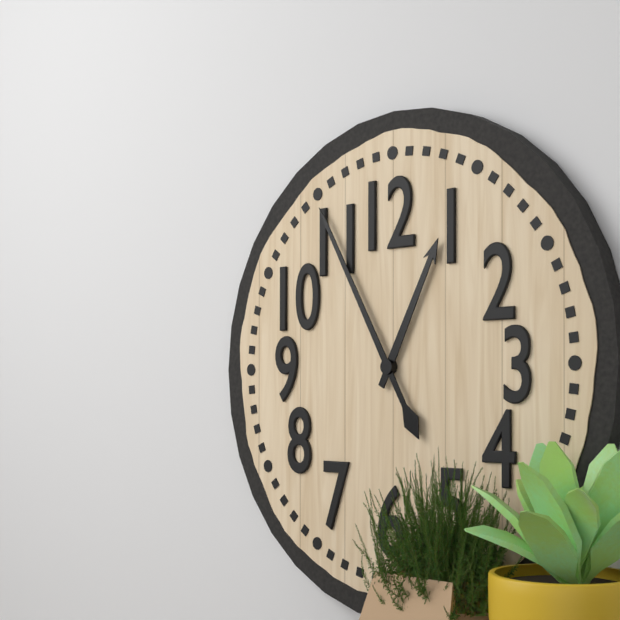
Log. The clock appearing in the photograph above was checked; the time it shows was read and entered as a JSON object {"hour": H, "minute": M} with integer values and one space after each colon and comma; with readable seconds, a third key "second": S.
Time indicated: {"hour": 12, "minute": 55}
